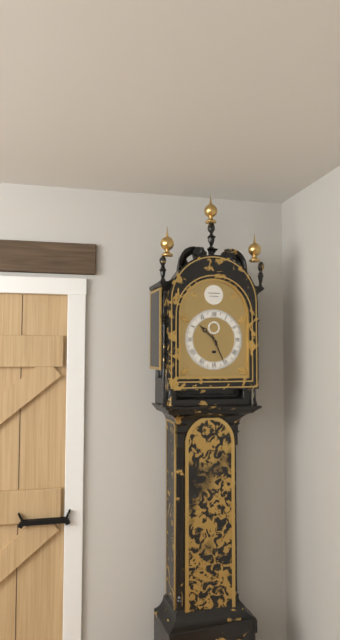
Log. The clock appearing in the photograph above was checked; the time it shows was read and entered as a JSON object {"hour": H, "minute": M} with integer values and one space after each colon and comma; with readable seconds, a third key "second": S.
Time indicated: {"hour": 10, "minute": 26}
